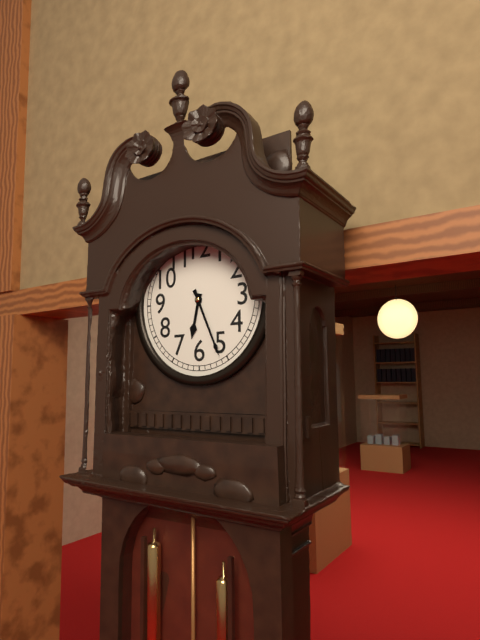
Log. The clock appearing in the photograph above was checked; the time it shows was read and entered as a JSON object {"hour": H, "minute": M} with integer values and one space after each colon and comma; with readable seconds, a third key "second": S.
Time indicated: {"hour": 6, "minute": 26}
